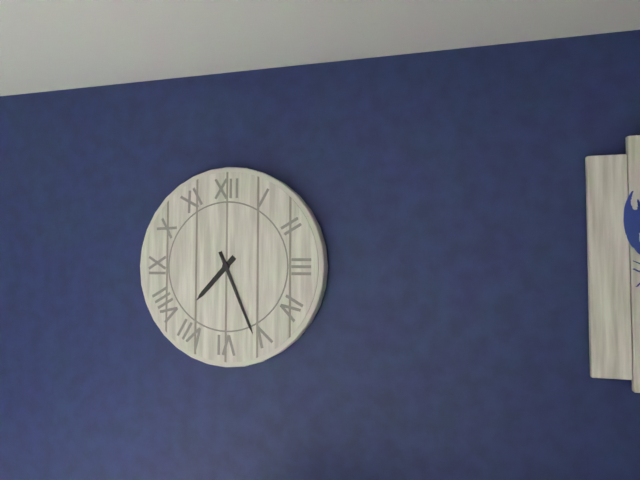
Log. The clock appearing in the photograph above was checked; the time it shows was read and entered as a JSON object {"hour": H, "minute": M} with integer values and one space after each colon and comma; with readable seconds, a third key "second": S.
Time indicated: {"hour": 7, "minute": 26}
